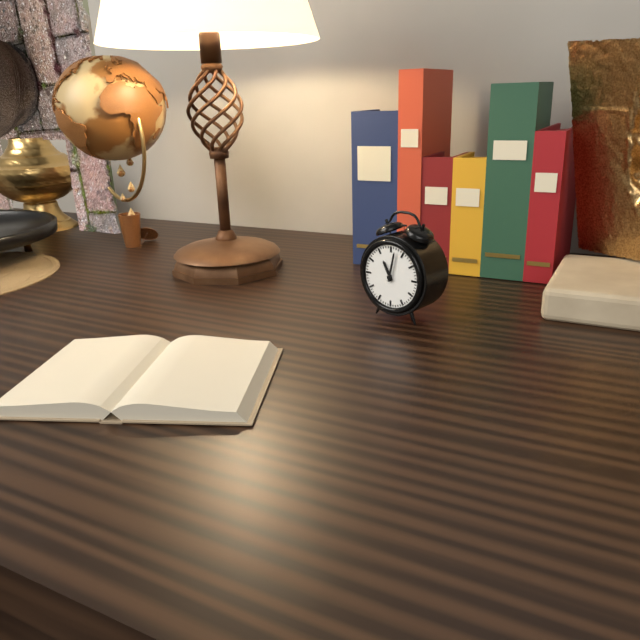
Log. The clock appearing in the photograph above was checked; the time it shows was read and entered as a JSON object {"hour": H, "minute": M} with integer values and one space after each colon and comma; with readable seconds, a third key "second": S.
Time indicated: {"hour": 11, "minute": 2}
